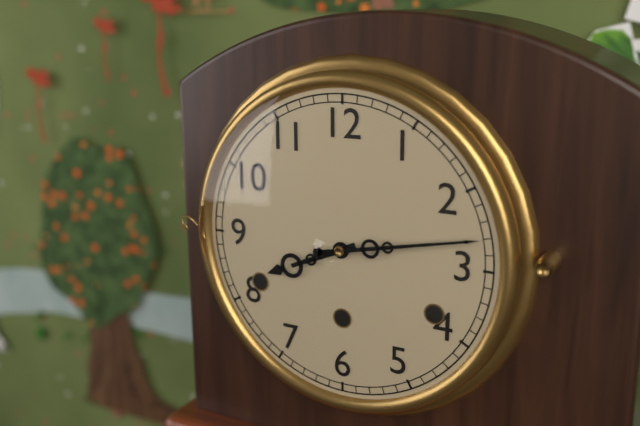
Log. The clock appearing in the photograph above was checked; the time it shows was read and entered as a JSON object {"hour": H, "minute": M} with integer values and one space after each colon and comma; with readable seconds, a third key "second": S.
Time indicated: {"hour": 8, "minute": 13}
